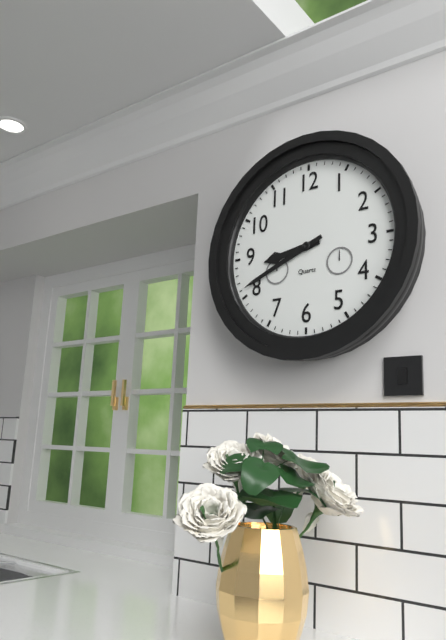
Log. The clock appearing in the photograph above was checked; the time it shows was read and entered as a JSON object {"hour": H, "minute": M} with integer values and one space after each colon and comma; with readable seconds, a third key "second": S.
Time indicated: {"hour": 8, "minute": 41}
